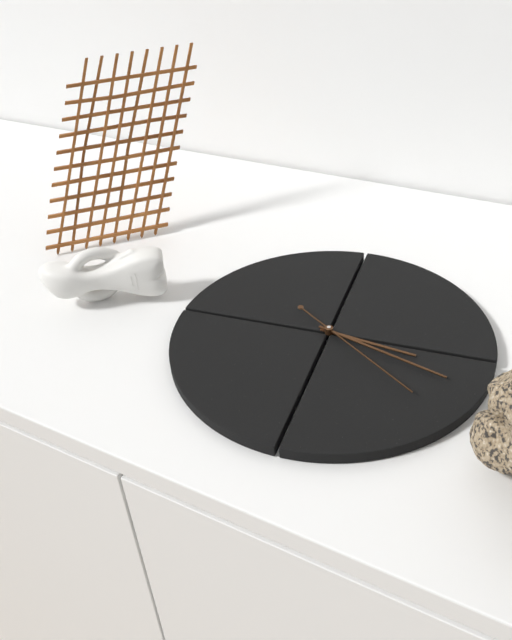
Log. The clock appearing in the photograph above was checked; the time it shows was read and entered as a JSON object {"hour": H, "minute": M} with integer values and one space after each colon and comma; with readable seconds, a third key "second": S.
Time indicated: {"hour": 3, "minute": 18, "second": 21}
